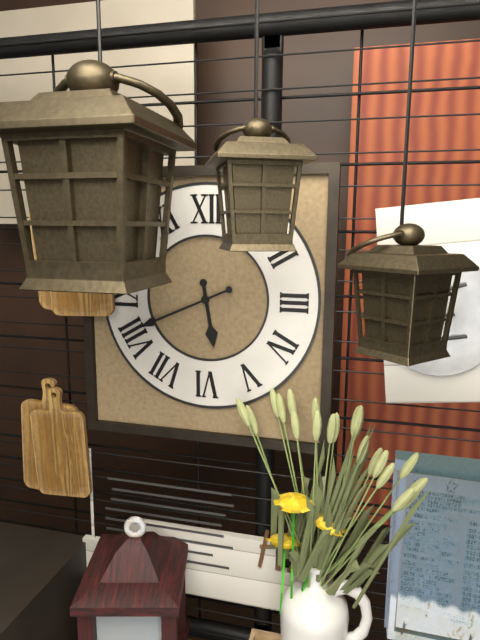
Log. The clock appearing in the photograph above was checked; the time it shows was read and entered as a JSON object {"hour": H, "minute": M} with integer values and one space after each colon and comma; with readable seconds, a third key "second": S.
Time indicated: {"hour": 5, "minute": 41}
